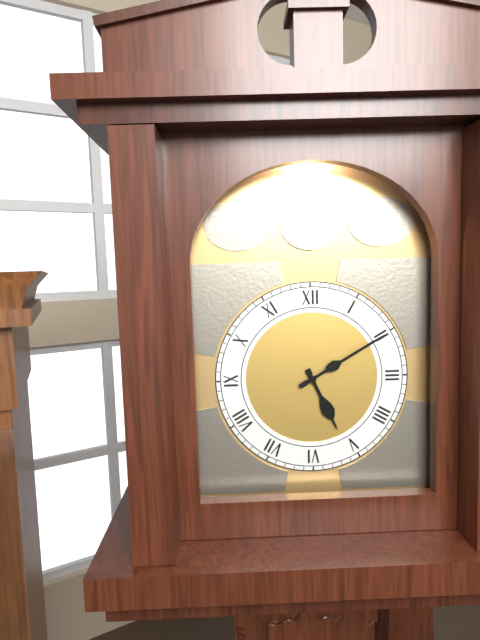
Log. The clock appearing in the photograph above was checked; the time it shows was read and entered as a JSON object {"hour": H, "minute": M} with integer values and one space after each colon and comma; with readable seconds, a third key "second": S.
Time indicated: {"hour": 5, "minute": 10}
